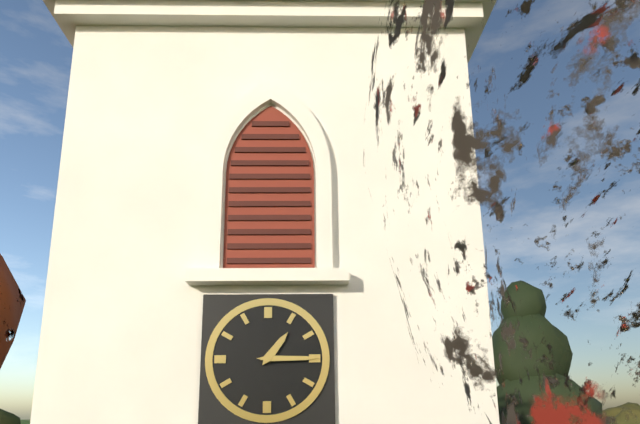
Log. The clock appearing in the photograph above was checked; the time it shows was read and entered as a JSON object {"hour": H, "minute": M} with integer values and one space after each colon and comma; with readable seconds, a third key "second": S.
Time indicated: {"hour": 1, "minute": 15}
